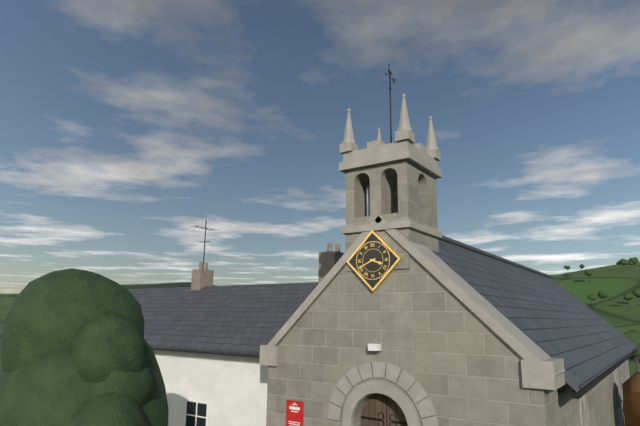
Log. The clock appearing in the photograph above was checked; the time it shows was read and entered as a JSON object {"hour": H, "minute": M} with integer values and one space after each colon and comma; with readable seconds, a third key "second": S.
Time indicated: {"hour": 3, "minute": 41}
